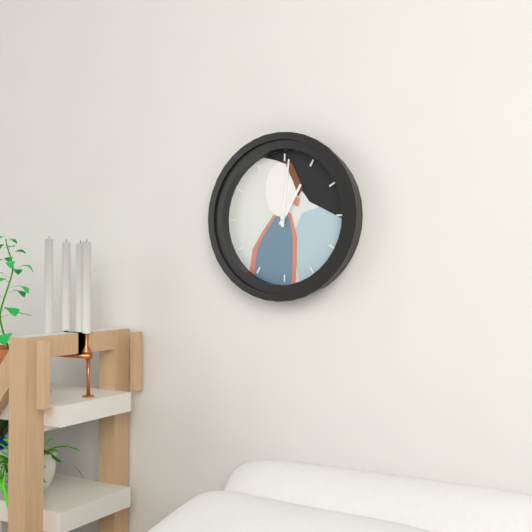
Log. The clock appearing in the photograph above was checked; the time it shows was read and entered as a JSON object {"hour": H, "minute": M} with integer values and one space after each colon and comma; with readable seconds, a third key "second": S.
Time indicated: {"hour": 1, "minute": 1}
